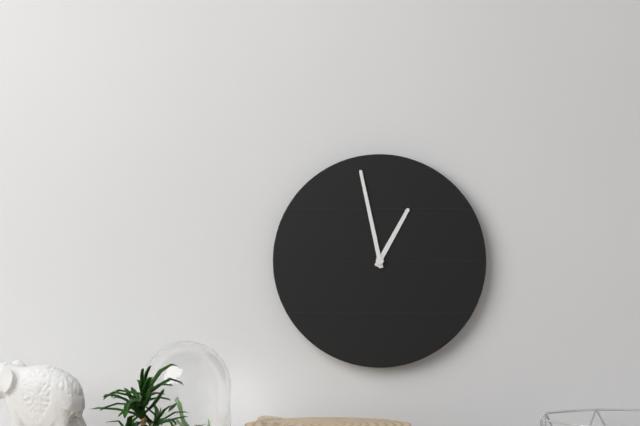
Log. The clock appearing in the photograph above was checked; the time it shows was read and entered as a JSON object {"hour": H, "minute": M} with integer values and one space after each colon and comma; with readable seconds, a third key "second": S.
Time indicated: {"hour": 12, "minute": 58}
